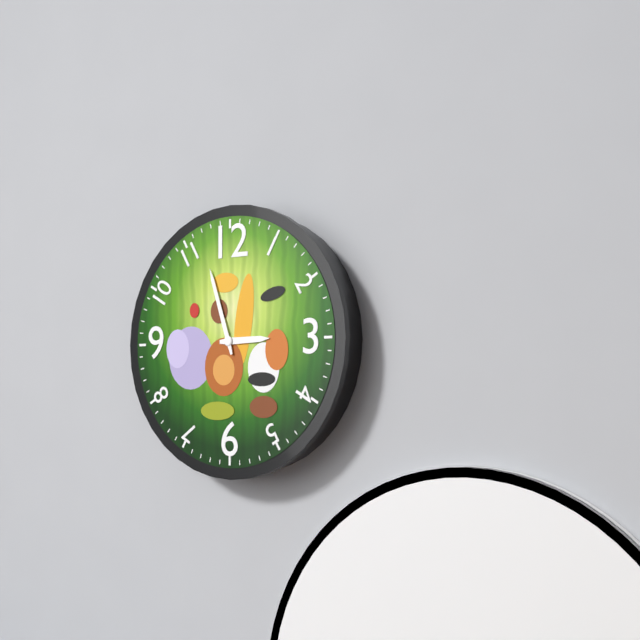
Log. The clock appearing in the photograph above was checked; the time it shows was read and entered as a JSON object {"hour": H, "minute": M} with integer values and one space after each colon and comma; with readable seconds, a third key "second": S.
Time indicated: {"hour": 2, "minute": 57}
